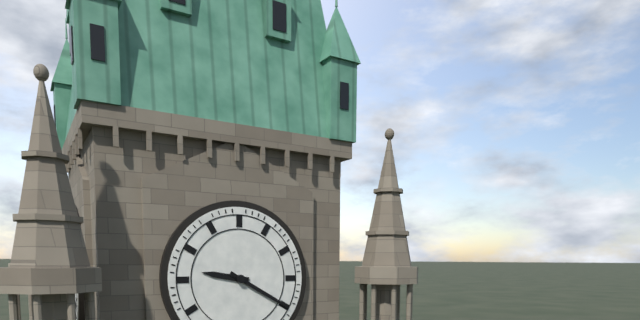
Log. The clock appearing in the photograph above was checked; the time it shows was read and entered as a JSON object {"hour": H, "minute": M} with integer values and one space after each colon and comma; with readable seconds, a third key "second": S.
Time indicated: {"hour": 9, "minute": 20}
